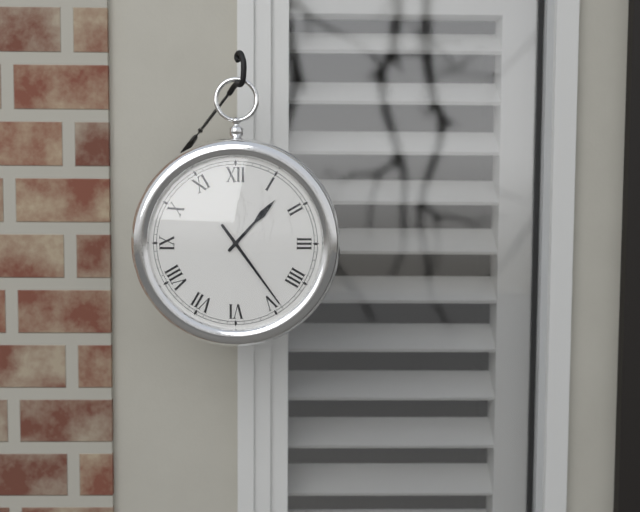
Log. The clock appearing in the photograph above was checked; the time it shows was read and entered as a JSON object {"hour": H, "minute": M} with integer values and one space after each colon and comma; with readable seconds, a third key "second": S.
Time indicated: {"hour": 1, "minute": 24}
